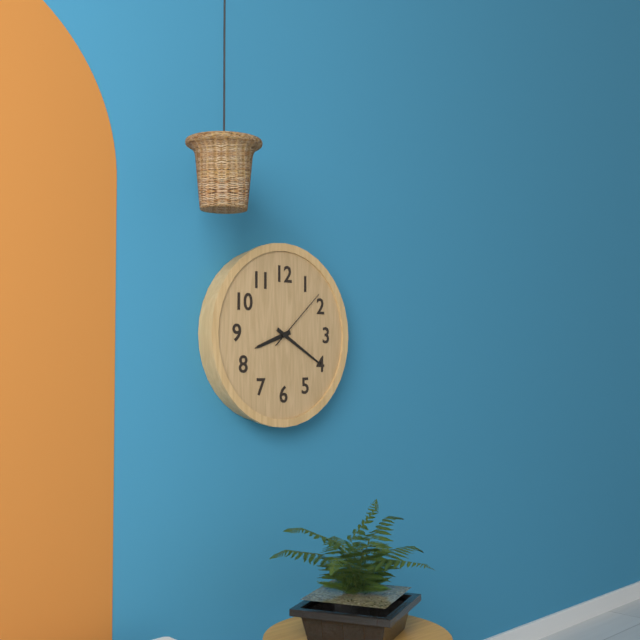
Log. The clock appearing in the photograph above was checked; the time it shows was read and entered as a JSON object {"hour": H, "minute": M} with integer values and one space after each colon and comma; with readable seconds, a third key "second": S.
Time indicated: {"hour": 8, "minute": 20, "second": 8}
